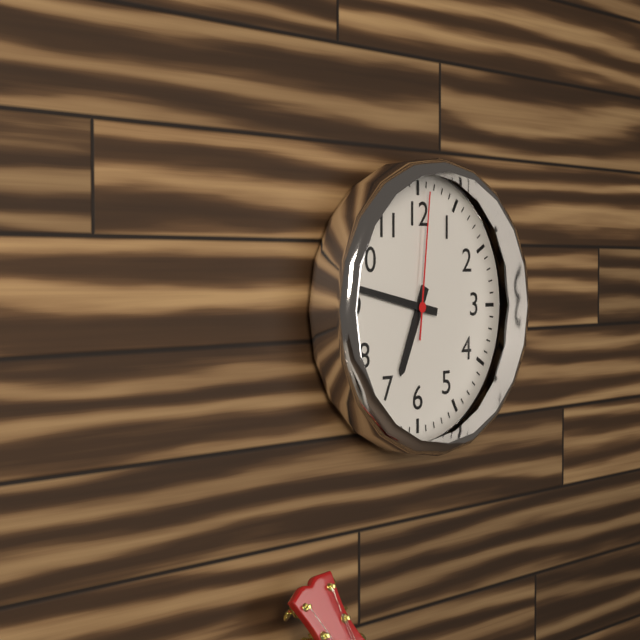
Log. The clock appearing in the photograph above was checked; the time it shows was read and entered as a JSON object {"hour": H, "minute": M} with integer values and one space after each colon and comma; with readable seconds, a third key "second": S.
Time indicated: {"hour": 6, "minute": 47, "second": 1}
